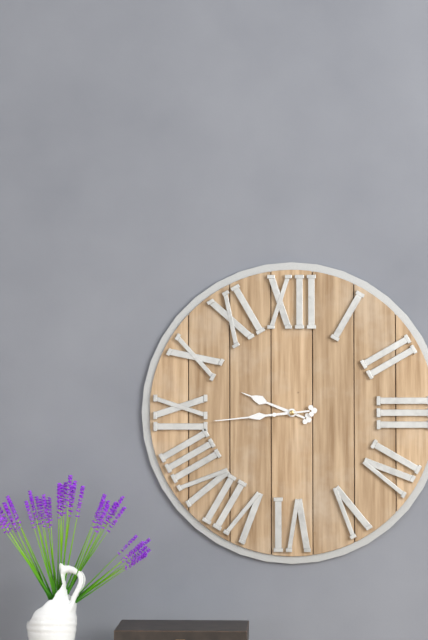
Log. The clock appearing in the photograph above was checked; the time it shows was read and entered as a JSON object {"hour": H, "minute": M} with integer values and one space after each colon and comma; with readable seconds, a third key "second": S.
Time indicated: {"hour": 9, "minute": 44}
